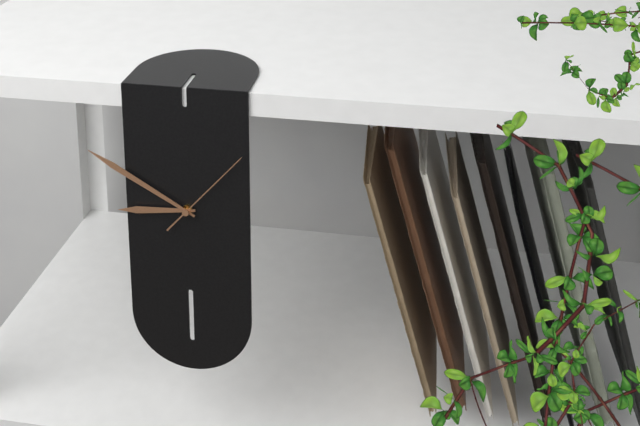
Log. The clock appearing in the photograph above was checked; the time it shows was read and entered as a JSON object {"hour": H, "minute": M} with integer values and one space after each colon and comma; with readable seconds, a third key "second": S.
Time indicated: {"hour": 8, "minute": 50, "second": 7}
